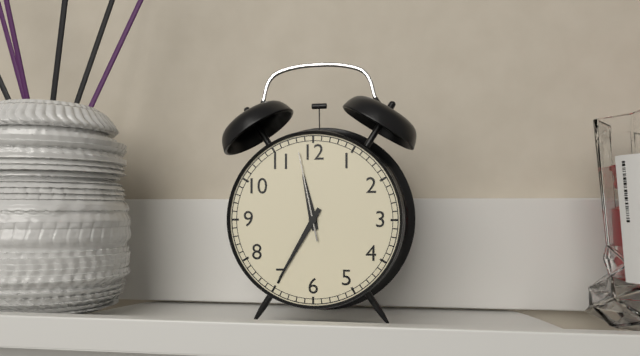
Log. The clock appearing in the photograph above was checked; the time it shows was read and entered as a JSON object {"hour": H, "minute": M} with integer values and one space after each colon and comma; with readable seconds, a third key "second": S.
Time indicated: {"hour": 11, "minute": 35, "second": 58}
